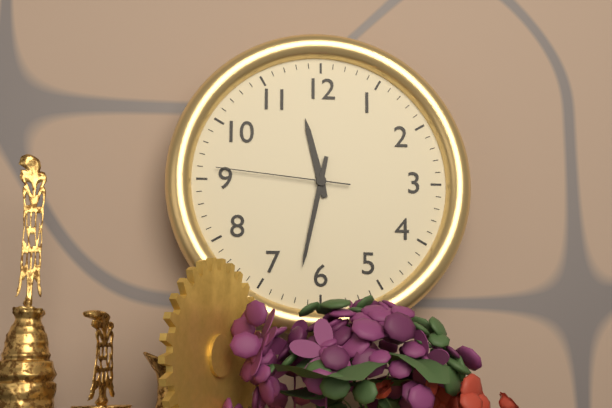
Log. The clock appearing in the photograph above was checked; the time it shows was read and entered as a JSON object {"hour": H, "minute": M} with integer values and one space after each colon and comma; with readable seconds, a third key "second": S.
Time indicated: {"hour": 11, "minute": 32, "second": 46}
